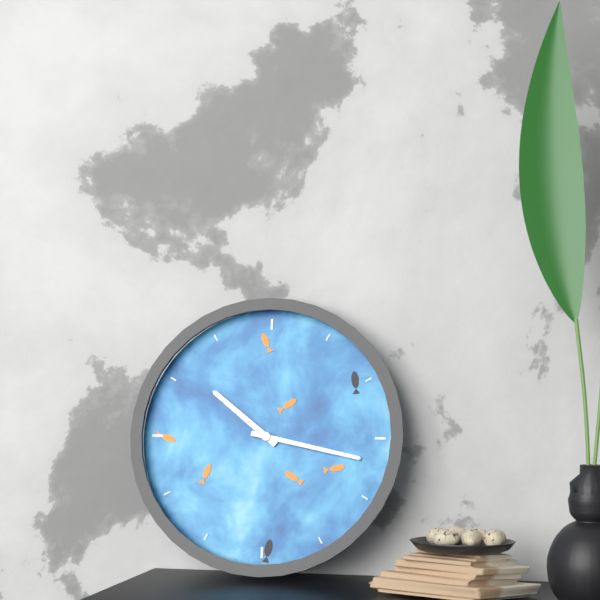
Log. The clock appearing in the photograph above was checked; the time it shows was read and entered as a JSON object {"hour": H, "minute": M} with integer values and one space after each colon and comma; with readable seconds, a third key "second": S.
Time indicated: {"hour": 10, "minute": 17}
